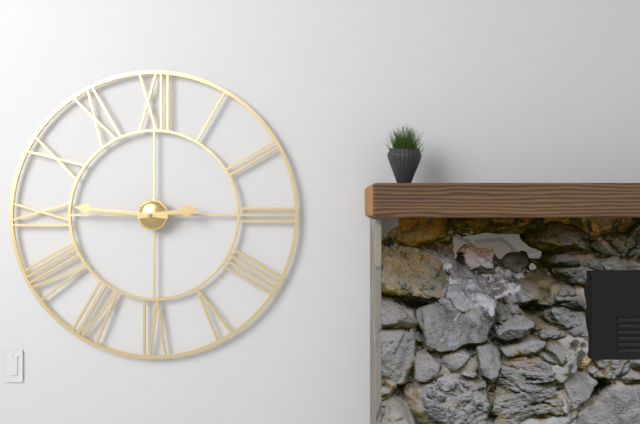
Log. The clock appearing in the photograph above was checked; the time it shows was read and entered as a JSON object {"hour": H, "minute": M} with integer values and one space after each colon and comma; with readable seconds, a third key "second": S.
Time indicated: {"hour": 2, "minute": 46}
